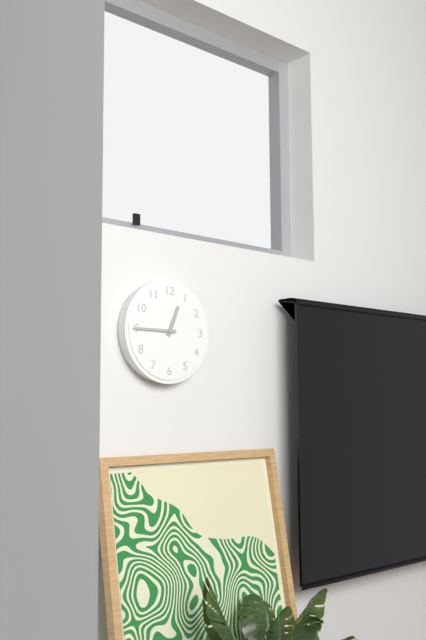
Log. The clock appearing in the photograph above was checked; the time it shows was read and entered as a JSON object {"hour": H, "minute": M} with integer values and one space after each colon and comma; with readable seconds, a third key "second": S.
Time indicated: {"hour": 12, "minute": 45}
